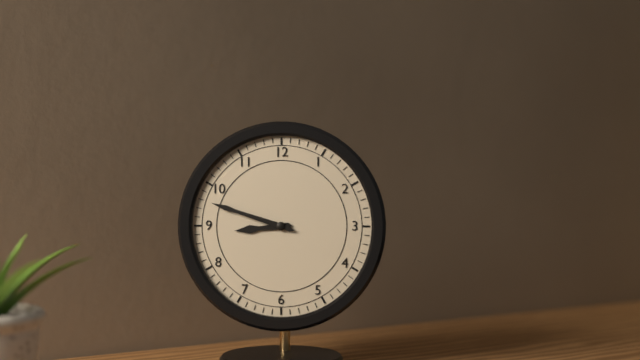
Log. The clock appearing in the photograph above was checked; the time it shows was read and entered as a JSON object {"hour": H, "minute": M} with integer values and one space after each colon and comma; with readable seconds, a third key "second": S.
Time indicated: {"hour": 8, "minute": 48}
